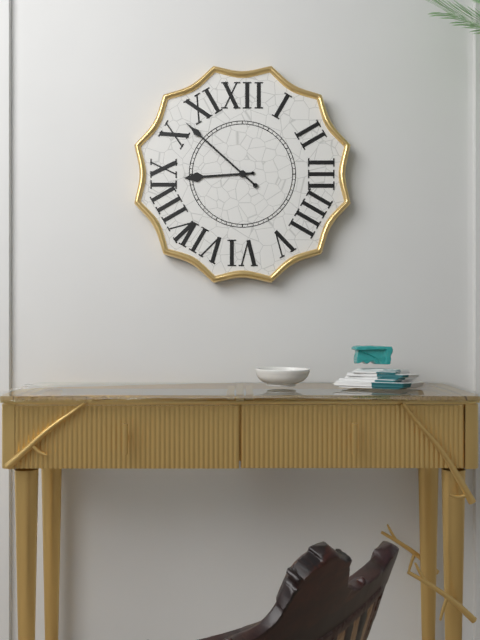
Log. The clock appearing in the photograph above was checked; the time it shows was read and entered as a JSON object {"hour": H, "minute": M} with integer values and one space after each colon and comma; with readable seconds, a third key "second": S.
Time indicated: {"hour": 8, "minute": 52}
